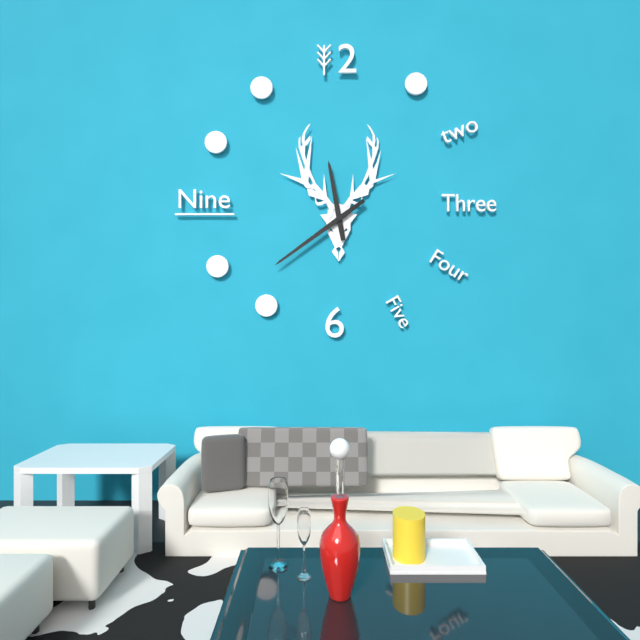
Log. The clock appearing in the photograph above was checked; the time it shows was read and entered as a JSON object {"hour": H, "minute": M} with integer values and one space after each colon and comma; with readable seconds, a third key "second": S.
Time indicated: {"hour": 11, "minute": 39}
